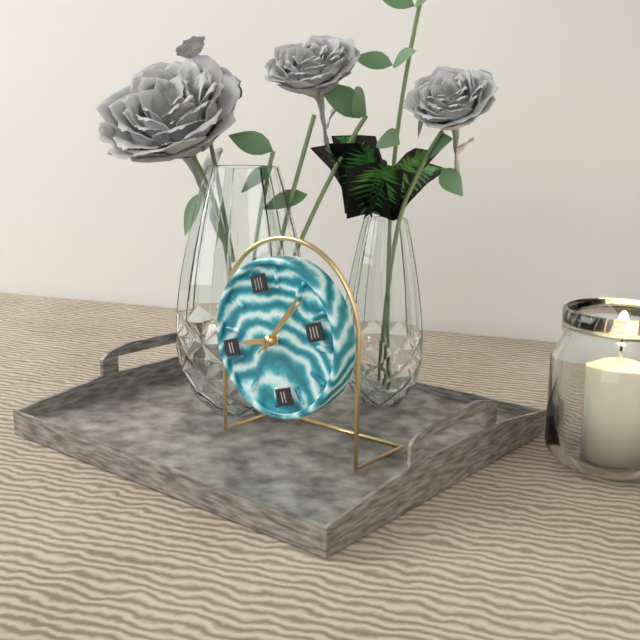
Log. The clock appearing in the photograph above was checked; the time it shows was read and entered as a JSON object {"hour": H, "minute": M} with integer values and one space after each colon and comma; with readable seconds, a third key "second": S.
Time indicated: {"hour": 9, "minute": 9, "second": 10}
